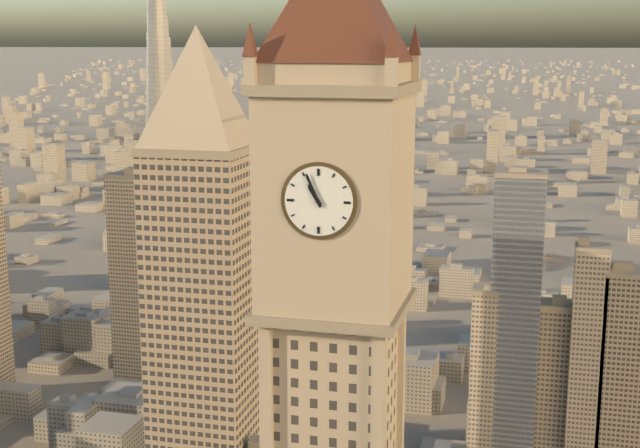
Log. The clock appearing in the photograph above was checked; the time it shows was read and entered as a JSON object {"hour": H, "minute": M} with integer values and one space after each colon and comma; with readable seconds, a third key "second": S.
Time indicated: {"hour": 10, "minute": 56}
